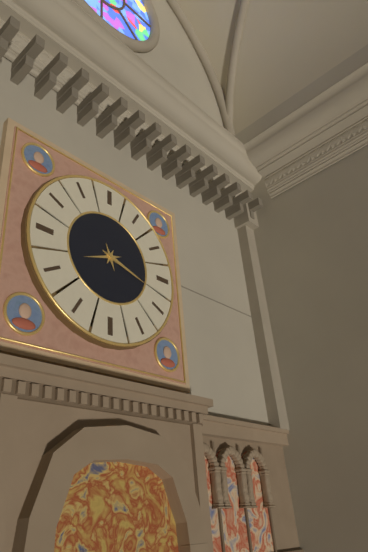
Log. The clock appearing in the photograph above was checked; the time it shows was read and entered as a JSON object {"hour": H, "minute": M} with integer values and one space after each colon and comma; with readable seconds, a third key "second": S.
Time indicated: {"hour": 8, "minute": 18}
